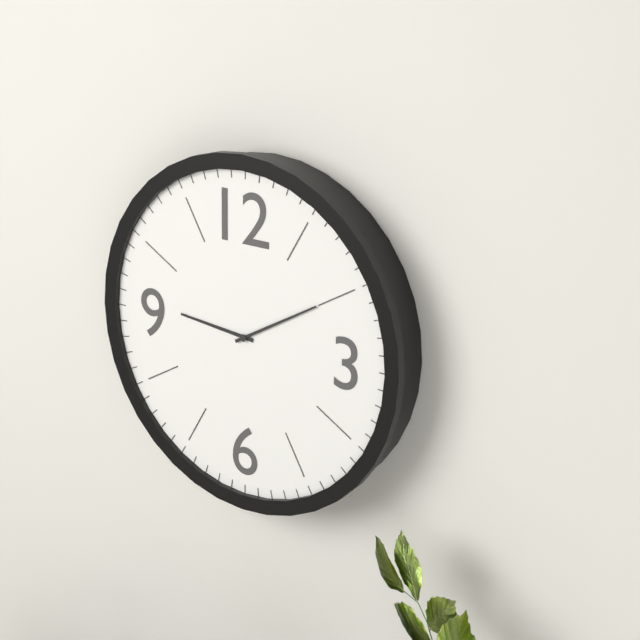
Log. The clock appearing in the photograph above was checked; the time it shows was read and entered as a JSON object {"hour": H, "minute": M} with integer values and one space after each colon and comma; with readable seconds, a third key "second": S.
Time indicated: {"hour": 9, "minute": 10}
